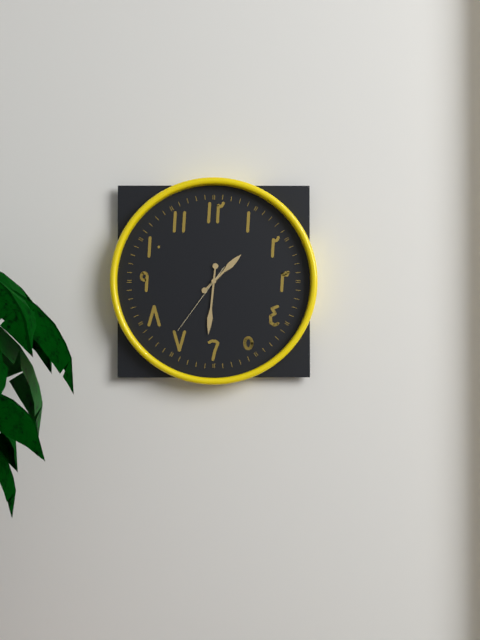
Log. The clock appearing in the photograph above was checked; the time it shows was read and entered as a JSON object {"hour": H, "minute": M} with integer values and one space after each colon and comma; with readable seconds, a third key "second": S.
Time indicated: {"hour": 1, "minute": 31, "second": 36}
